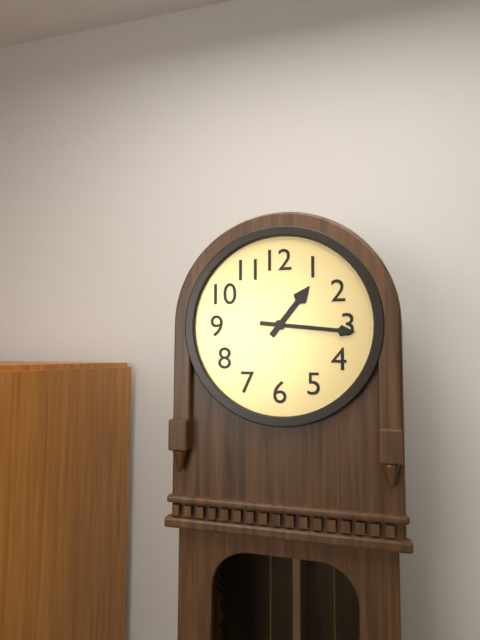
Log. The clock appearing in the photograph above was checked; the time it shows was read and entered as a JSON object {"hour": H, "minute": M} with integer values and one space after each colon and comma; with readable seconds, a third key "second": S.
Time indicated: {"hour": 1, "minute": 16}
